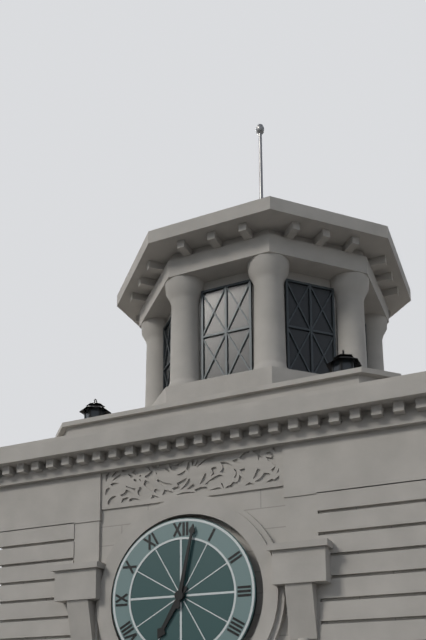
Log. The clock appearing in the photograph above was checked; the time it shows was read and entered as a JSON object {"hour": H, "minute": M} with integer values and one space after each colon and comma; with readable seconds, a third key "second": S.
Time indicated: {"hour": 7, "minute": 2}
